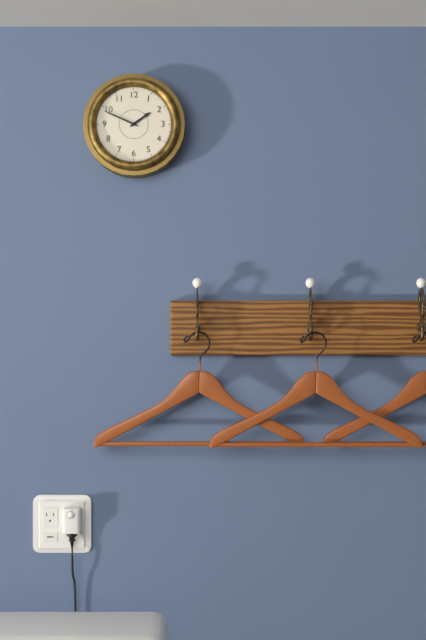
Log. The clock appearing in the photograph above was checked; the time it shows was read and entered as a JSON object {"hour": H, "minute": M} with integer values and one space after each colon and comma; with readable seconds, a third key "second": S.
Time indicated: {"hour": 1, "minute": 49}
